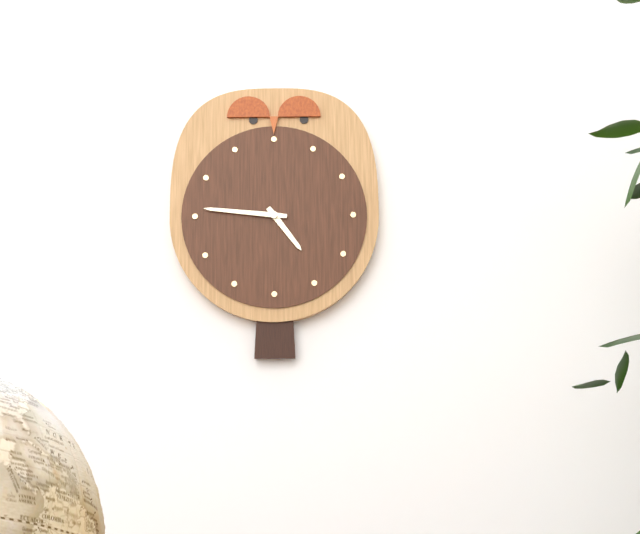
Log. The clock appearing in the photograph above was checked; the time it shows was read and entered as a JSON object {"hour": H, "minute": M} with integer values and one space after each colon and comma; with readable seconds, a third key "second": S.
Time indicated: {"hour": 4, "minute": 46}
